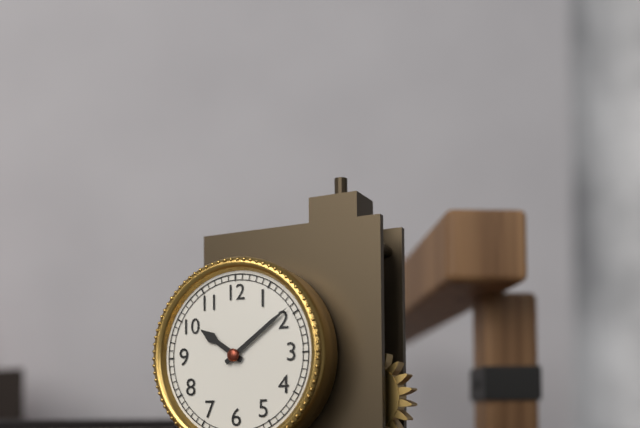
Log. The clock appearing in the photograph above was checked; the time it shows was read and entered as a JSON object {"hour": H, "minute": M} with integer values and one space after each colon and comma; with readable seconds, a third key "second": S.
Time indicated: {"hour": 10, "minute": 9}
